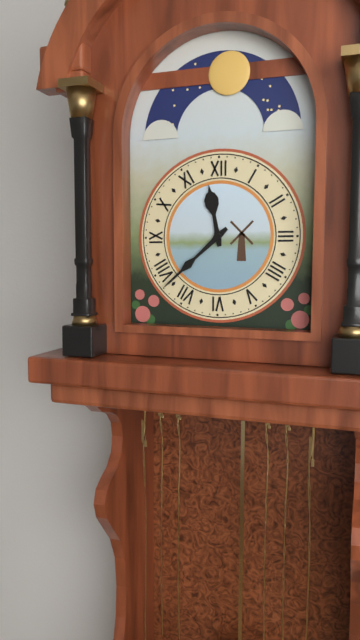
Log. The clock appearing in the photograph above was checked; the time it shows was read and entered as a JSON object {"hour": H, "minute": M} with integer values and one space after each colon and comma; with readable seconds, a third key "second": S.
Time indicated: {"hour": 11, "minute": 38}
